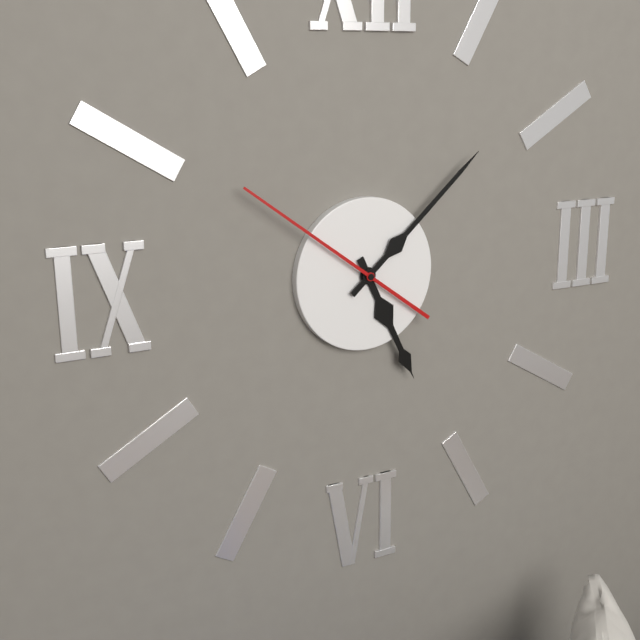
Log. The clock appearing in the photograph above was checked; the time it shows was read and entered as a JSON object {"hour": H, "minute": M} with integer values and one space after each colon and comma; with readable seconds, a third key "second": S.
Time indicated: {"hour": 5, "minute": 8, "second": 51}
